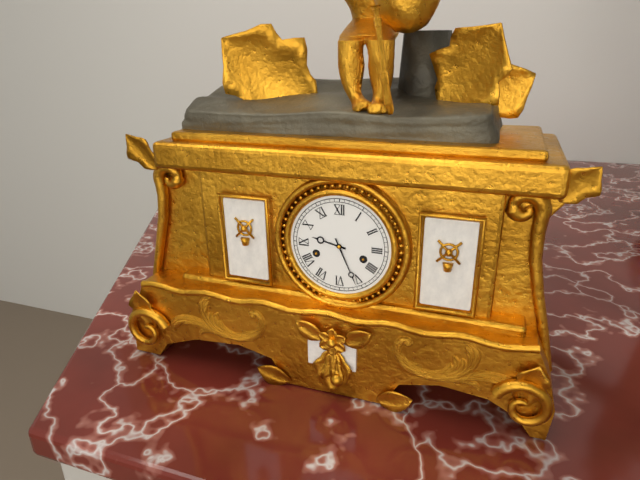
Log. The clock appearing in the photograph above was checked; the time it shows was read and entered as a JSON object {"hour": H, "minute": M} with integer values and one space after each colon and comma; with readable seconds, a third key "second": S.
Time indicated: {"hour": 9, "minute": 26}
